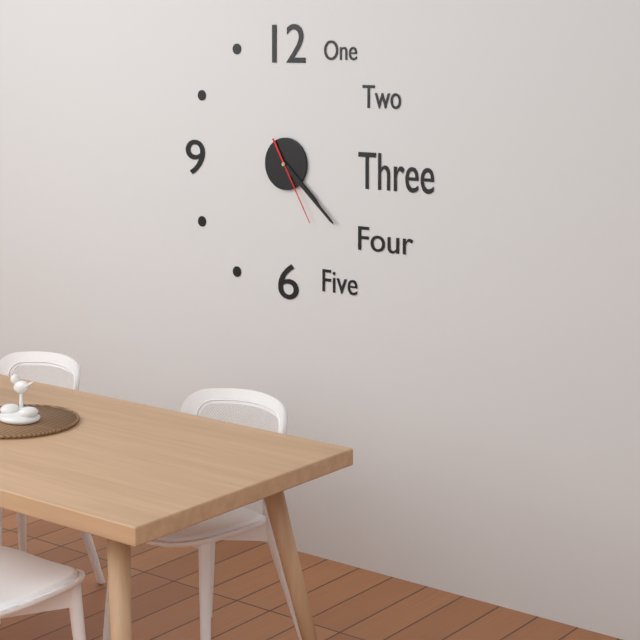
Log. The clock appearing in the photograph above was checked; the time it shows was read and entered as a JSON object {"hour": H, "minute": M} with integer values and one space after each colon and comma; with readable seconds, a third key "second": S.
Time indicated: {"hour": 4, "minute": 22, "second": 25}
